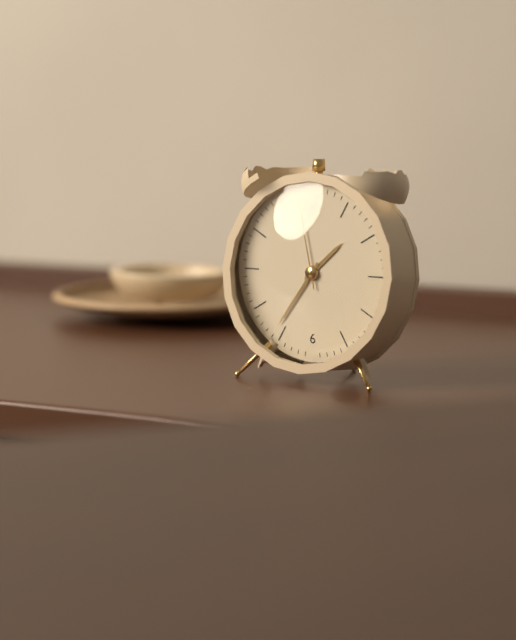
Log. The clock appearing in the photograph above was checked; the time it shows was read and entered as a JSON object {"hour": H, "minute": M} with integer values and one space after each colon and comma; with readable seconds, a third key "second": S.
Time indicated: {"hour": 1, "minute": 36, "second": 58}
